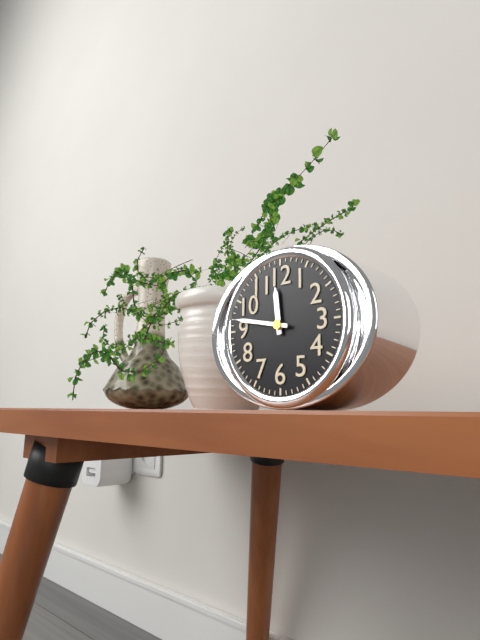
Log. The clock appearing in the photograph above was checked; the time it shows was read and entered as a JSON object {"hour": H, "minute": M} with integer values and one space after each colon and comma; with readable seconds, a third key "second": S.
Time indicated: {"hour": 11, "minute": 47}
